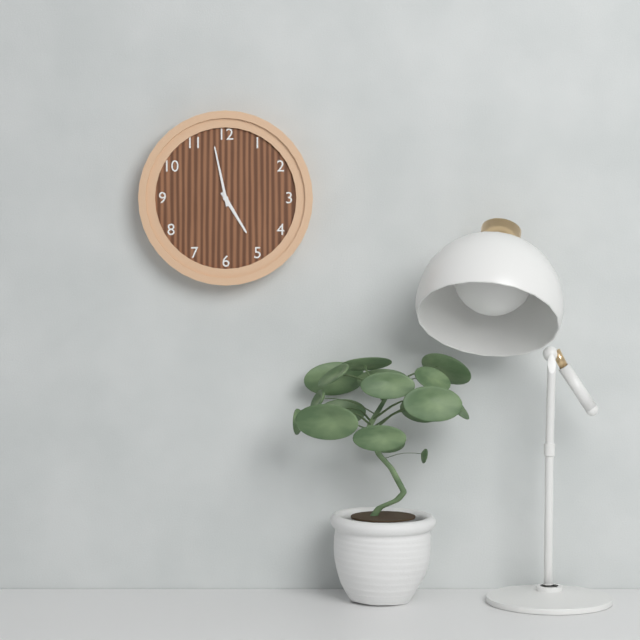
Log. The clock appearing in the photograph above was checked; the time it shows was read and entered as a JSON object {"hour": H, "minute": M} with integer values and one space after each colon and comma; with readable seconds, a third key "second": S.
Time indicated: {"hour": 4, "minute": 58}
